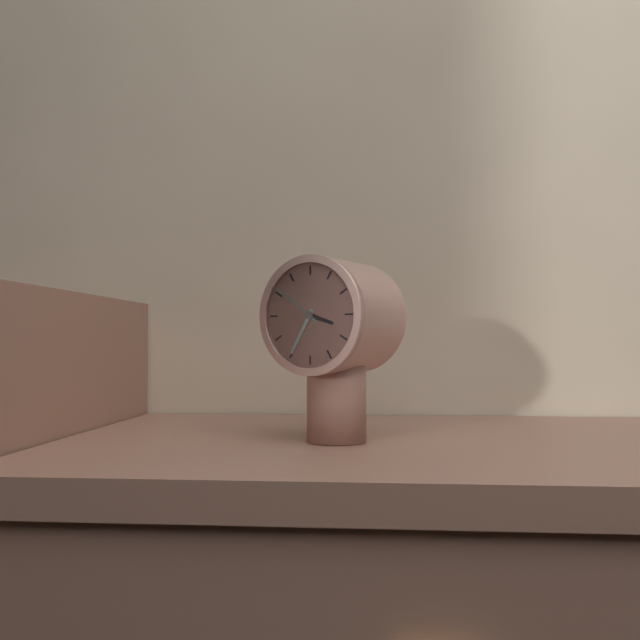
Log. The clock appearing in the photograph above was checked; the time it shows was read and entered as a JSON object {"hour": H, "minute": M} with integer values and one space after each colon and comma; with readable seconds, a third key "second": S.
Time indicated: {"hour": 3, "minute": 35, "second": 51}
